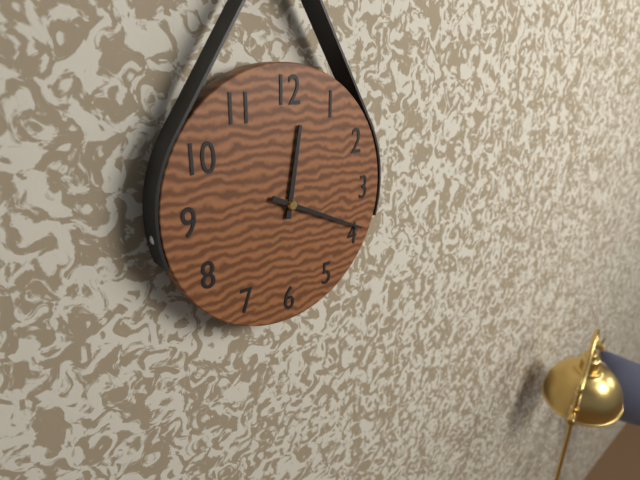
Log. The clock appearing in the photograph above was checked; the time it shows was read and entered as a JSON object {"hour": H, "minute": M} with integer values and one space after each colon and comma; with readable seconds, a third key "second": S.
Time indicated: {"hour": 12, "minute": 19}
